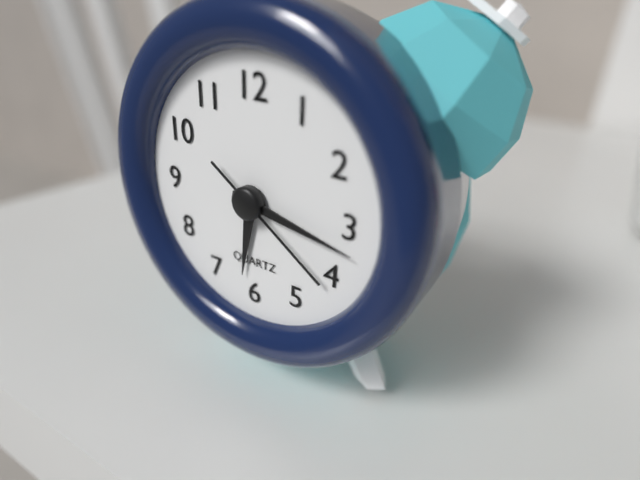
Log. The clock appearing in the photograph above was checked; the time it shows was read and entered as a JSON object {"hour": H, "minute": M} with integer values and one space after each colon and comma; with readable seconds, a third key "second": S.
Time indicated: {"hour": 6, "minute": 17, "second": 21}
